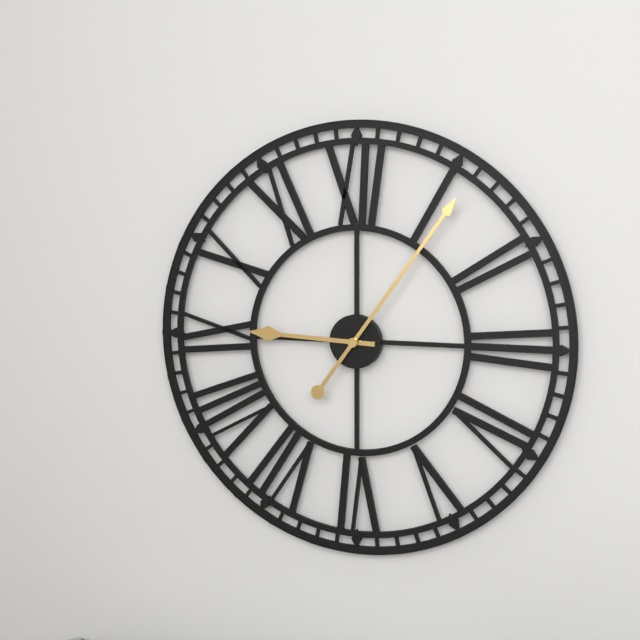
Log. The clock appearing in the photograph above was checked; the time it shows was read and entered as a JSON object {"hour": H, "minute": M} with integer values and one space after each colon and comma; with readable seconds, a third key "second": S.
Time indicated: {"hour": 9, "minute": 6}
